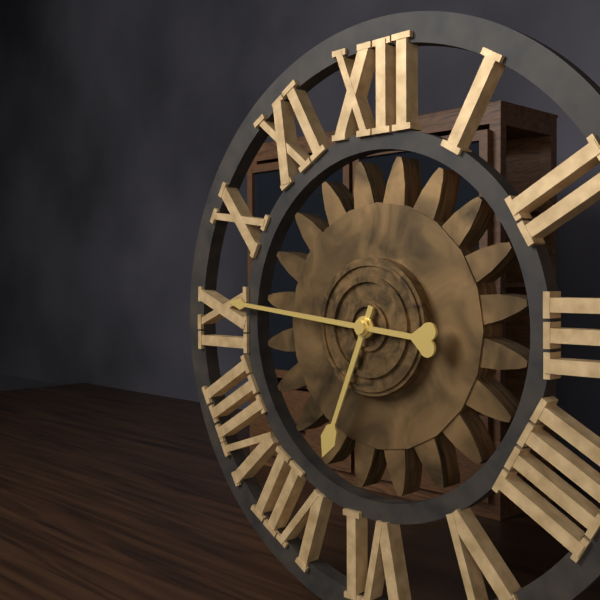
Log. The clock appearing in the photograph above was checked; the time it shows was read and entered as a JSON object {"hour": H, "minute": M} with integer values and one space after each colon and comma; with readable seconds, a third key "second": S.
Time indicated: {"hour": 6, "minute": 46}
